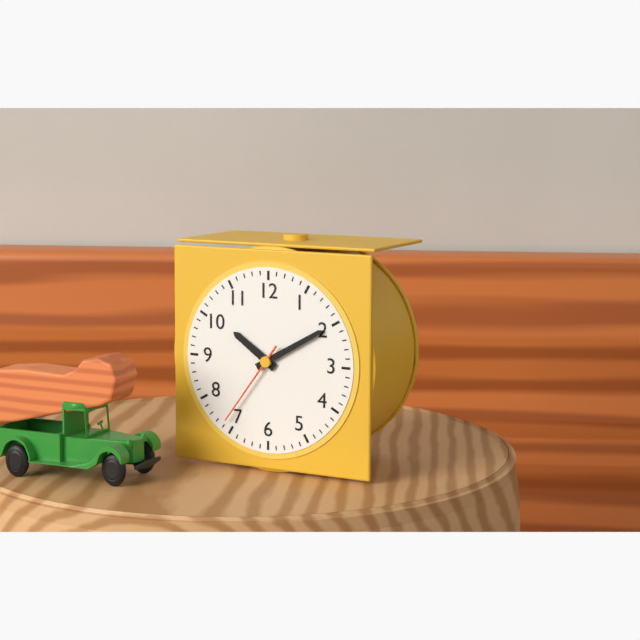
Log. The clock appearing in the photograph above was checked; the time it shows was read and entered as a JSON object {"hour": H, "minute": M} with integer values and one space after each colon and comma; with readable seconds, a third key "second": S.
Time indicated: {"hour": 10, "minute": 10, "second": 36}
